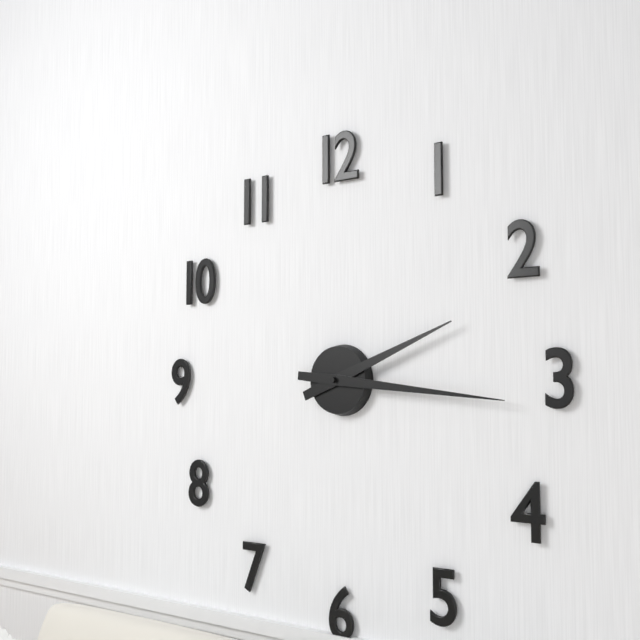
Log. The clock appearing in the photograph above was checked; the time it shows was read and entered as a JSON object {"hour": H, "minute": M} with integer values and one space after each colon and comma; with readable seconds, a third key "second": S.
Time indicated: {"hour": 2, "minute": 16}
